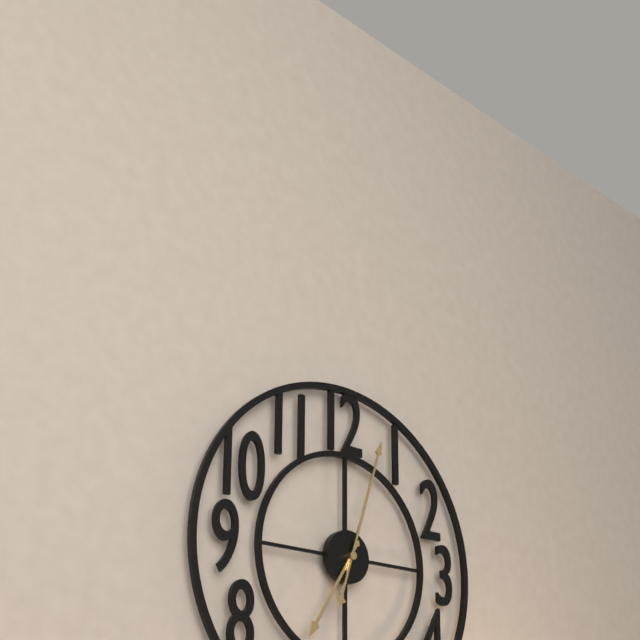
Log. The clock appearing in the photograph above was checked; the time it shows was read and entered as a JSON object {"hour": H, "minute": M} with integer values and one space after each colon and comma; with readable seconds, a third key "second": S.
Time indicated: {"hour": 7, "minute": 3}
